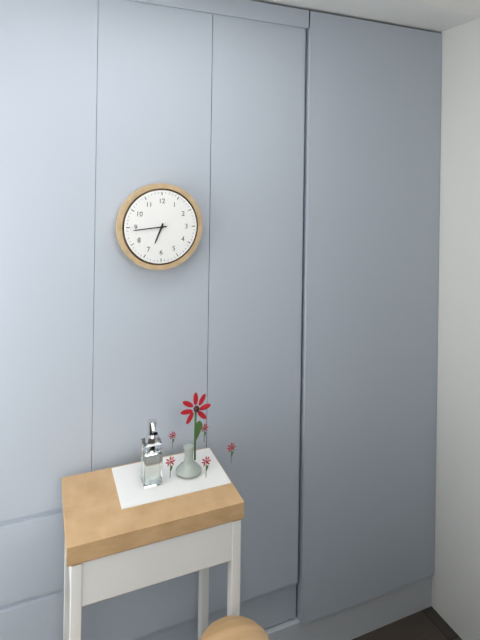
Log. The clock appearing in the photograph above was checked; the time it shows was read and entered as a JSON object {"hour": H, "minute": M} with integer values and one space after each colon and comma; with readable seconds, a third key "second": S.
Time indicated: {"hour": 6, "minute": 44}
